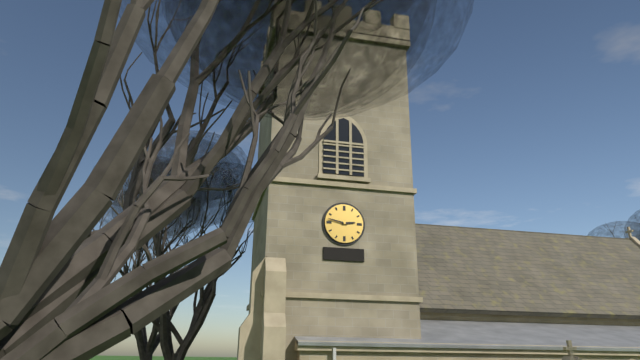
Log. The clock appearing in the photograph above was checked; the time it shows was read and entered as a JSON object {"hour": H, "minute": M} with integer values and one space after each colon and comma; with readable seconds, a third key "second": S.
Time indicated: {"hour": 2, "minute": 47}
